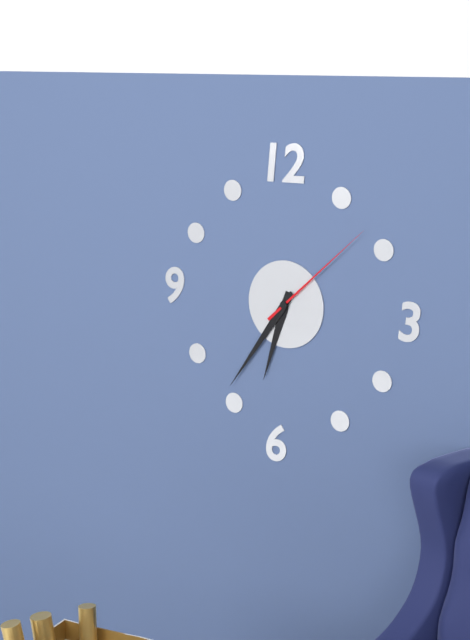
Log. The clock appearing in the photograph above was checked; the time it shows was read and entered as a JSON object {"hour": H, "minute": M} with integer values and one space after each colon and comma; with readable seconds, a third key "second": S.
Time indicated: {"hour": 6, "minute": 36, "second": 8}
